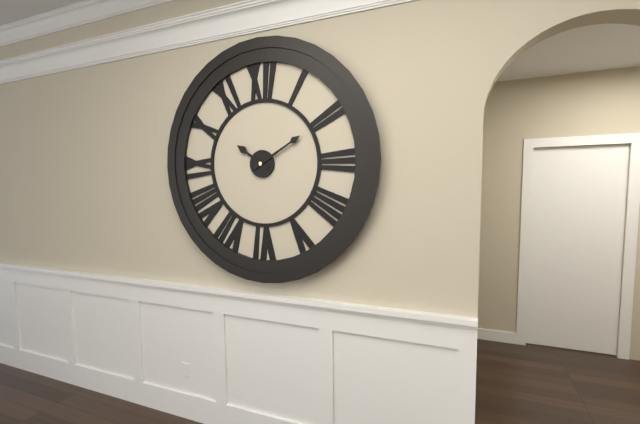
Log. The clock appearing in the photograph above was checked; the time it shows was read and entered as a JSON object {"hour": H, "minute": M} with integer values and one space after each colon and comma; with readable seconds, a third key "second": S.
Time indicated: {"hour": 10, "minute": 10}
